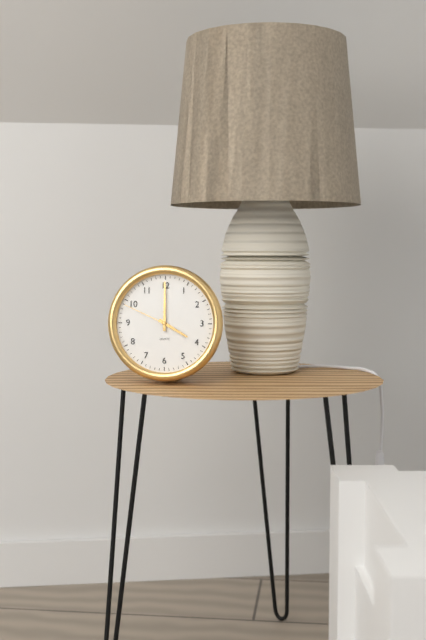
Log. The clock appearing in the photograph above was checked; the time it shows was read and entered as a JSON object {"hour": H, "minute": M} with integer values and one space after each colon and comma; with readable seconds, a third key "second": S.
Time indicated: {"hour": 4, "minute": 0, "second": 49}
